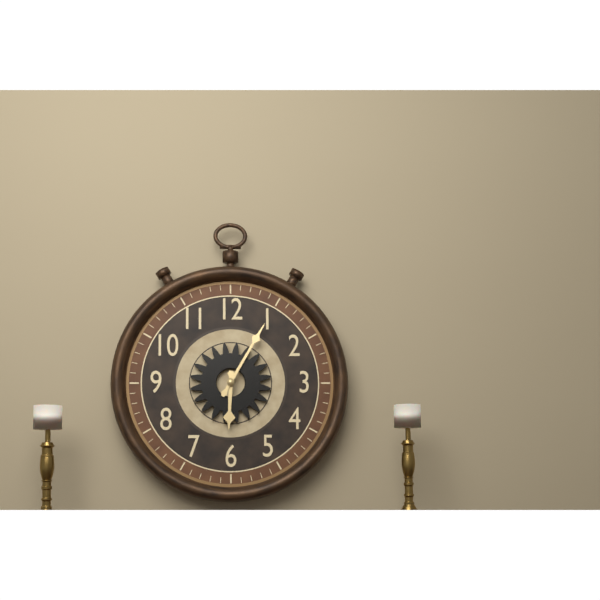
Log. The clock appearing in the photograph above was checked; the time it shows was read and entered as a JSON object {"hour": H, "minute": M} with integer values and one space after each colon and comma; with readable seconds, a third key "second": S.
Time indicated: {"hour": 6, "minute": 5}
